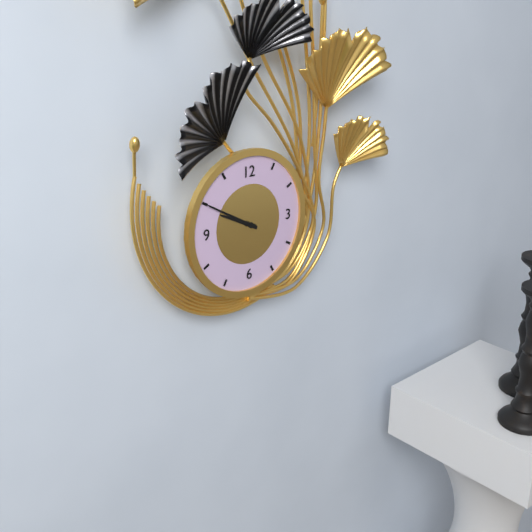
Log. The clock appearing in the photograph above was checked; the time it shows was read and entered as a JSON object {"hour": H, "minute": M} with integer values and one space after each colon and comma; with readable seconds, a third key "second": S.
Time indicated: {"hour": 9, "minute": 50}
